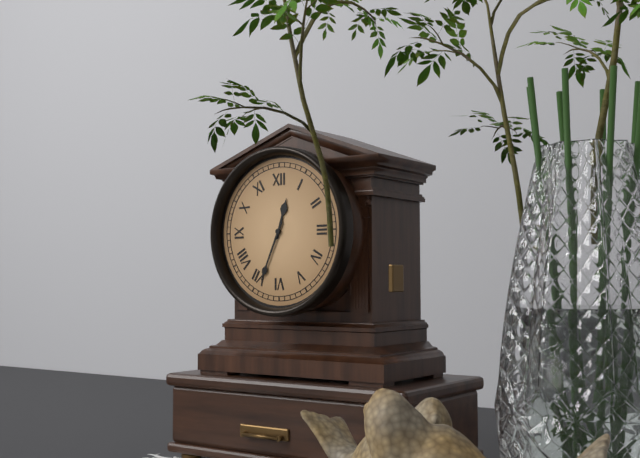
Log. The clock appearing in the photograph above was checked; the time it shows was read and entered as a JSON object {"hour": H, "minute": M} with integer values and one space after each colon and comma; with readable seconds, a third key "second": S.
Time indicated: {"hour": 12, "minute": 34}
